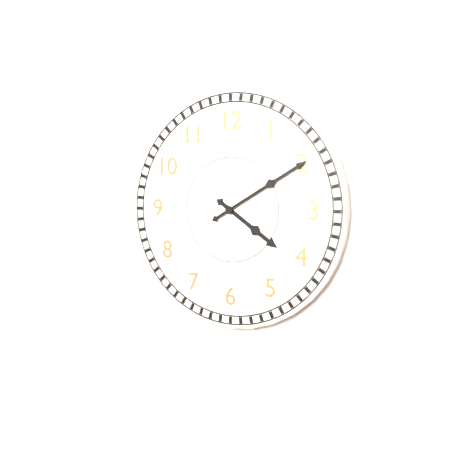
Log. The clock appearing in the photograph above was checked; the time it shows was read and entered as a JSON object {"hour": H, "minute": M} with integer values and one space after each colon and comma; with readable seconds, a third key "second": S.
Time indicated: {"hour": 4, "minute": 10}
